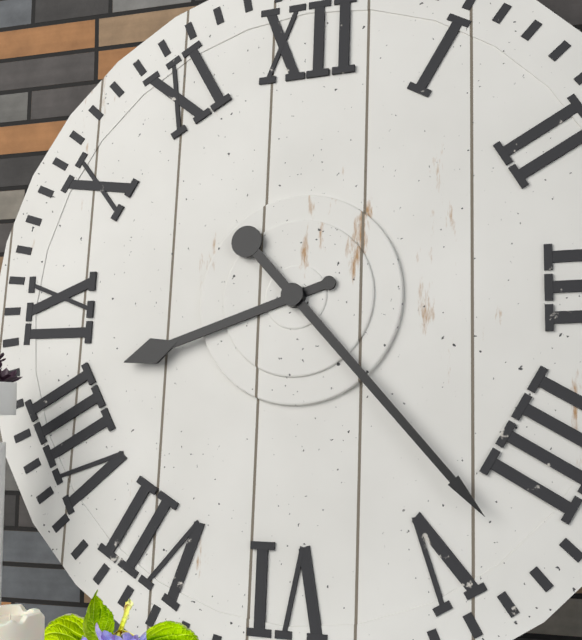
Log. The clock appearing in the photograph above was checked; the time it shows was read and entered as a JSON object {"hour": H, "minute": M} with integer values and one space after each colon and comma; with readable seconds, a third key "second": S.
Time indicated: {"hour": 8, "minute": 23}
